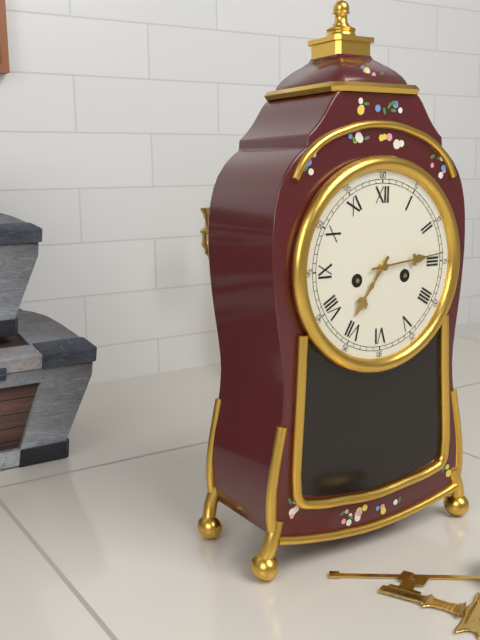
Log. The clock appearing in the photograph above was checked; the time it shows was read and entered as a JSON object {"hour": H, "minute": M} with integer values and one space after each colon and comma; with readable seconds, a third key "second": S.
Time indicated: {"hour": 7, "minute": 14}
